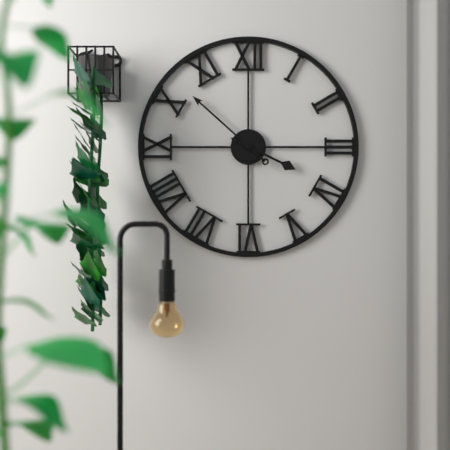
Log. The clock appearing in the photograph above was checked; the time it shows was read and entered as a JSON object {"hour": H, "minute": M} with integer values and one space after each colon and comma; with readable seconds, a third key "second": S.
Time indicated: {"hour": 3, "minute": 52}
